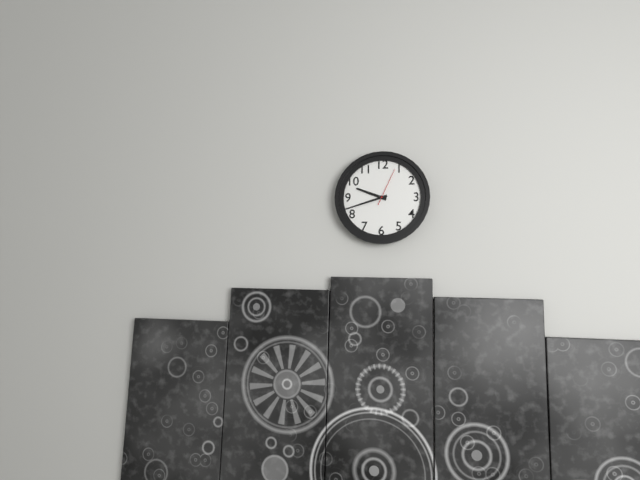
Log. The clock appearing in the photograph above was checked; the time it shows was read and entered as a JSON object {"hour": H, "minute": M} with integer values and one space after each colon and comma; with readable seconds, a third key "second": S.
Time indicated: {"hour": 9, "minute": 42}
